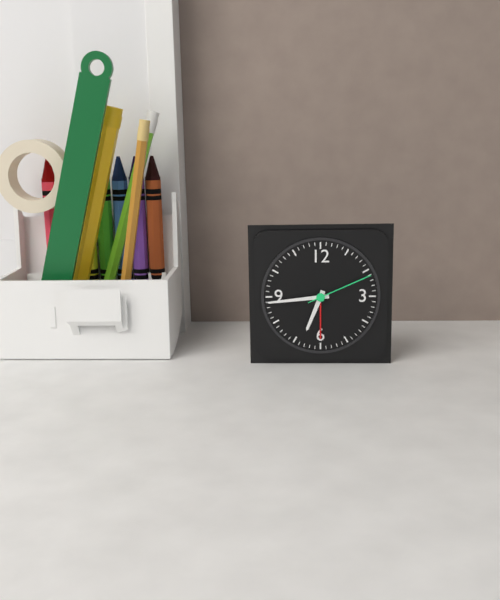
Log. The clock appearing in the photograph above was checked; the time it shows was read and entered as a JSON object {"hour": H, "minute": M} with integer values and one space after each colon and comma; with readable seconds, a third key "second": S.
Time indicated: {"hour": 6, "minute": 44, "second": 11}
